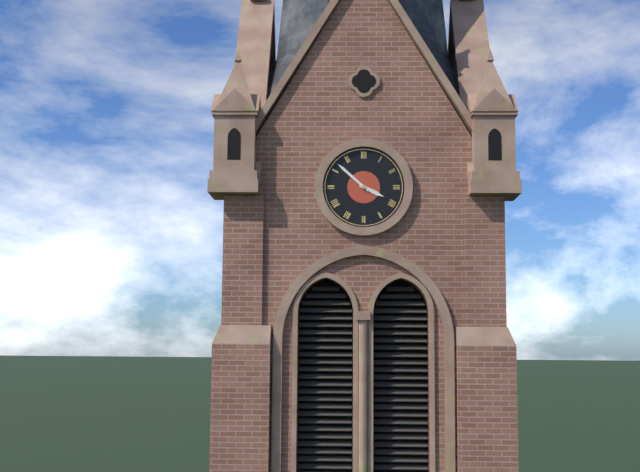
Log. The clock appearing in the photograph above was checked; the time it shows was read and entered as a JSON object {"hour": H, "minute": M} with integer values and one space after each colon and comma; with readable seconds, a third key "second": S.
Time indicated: {"hour": 3, "minute": 52}
